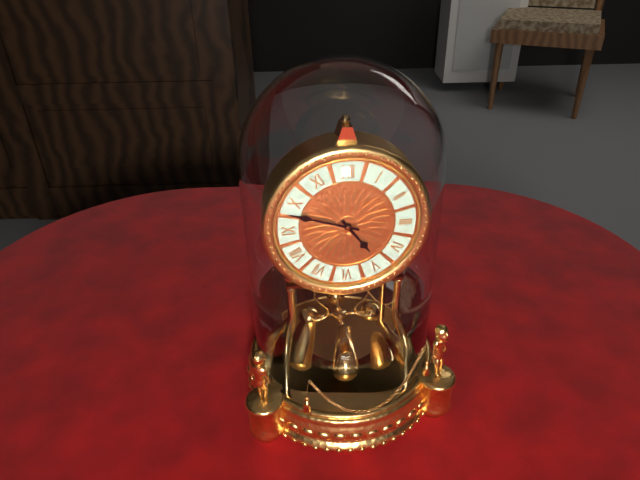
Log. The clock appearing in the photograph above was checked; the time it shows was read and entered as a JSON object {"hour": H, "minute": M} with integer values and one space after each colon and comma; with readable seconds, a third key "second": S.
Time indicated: {"hour": 4, "minute": 48}
